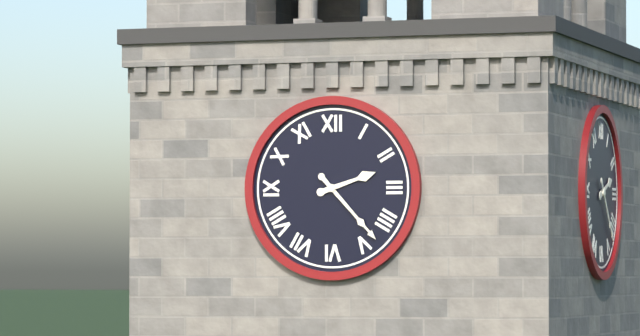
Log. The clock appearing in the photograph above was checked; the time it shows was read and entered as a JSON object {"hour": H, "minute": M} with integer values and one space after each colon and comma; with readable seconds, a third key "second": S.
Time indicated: {"hour": 2, "minute": 23}
